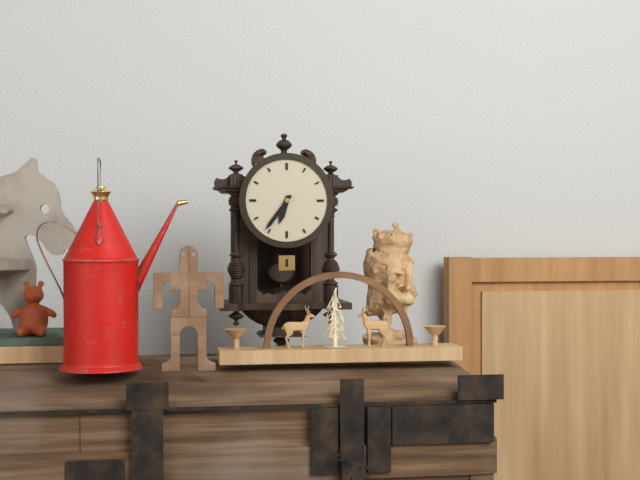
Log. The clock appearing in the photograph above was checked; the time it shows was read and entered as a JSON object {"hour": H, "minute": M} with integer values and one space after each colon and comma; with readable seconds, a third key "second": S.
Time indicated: {"hour": 6, "minute": 36}
